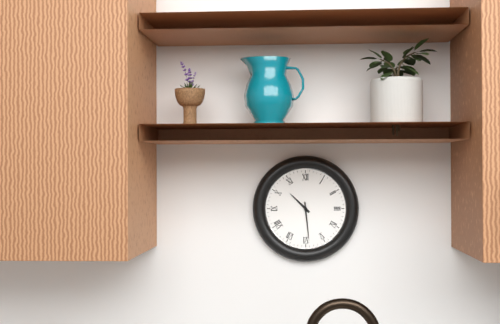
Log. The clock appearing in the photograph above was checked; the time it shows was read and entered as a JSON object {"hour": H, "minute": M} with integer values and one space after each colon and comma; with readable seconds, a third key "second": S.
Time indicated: {"hour": 10, "minute": 29}
